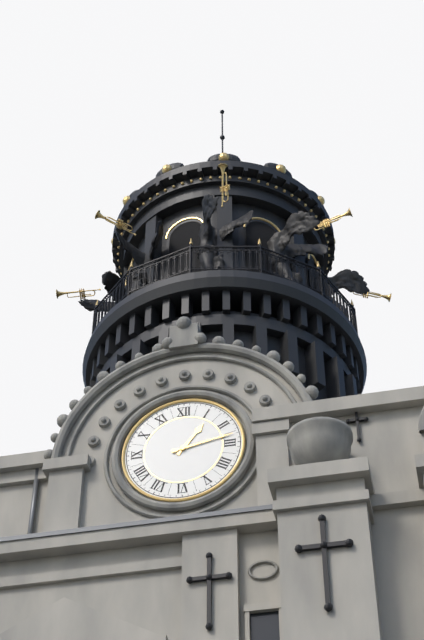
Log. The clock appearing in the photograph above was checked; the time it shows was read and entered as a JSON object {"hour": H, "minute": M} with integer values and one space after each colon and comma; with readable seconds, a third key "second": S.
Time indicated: {"hour": 1, "minute": 13}
